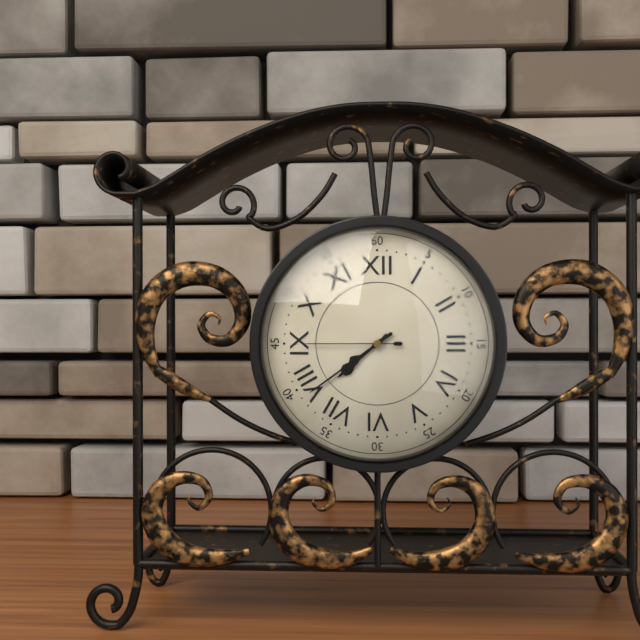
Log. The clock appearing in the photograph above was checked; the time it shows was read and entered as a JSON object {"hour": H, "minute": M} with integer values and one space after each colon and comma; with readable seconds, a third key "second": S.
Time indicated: {"hour": 7, "minute": 39, "second": 45}
